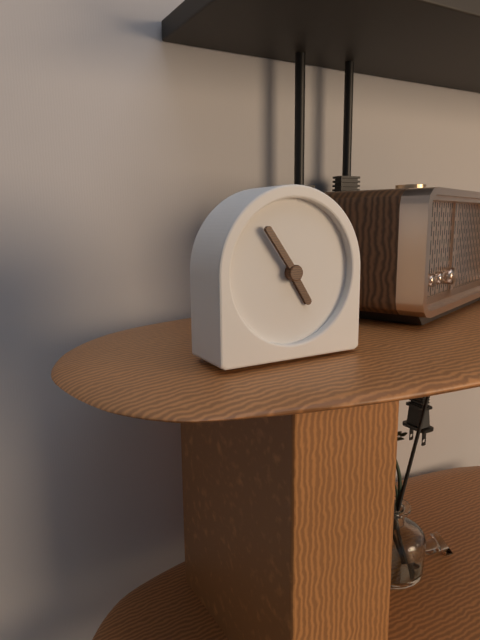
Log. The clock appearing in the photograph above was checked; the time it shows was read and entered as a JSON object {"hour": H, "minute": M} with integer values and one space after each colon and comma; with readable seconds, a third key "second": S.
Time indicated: {"hour": 4, "minute": 54}
